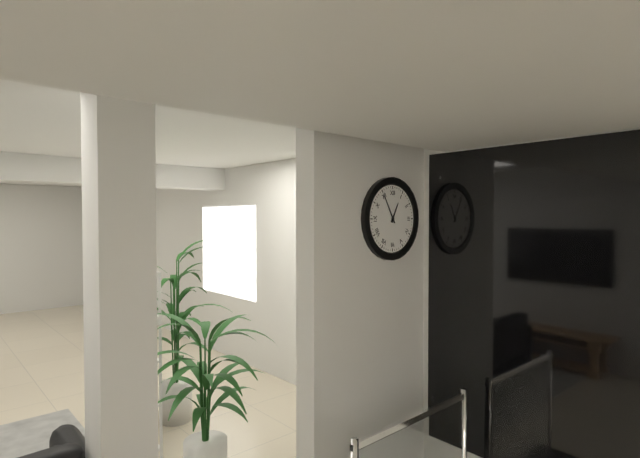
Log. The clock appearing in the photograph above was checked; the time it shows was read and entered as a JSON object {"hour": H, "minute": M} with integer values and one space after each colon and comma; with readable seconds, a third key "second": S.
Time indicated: {"hour": 12, "minute": 55}
